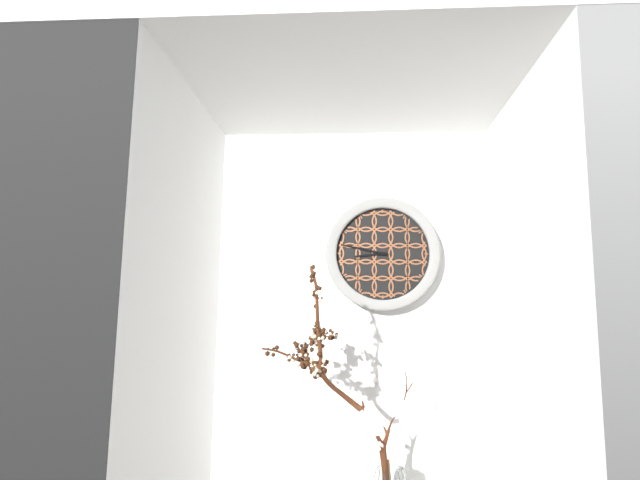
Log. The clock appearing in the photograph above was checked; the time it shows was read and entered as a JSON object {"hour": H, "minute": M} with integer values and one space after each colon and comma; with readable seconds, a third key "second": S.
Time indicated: {"hour": 8, "minute": 47}
